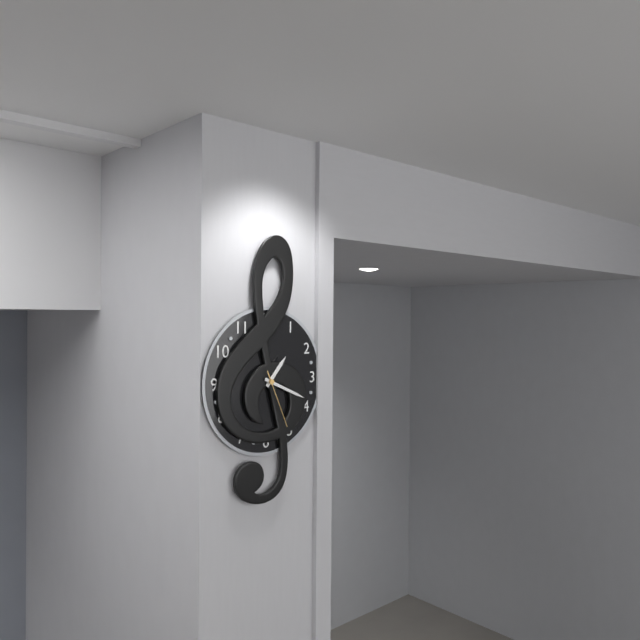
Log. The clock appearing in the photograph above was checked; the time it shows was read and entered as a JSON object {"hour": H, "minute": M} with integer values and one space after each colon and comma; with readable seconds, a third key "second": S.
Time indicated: {"hour": 1, "minute": 19, "second": 26}
